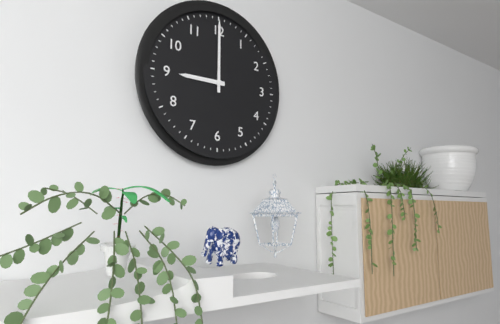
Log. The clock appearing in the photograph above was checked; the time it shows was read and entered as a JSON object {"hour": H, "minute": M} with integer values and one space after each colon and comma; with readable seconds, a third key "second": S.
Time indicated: {"hour": 9, "minute": 0}
